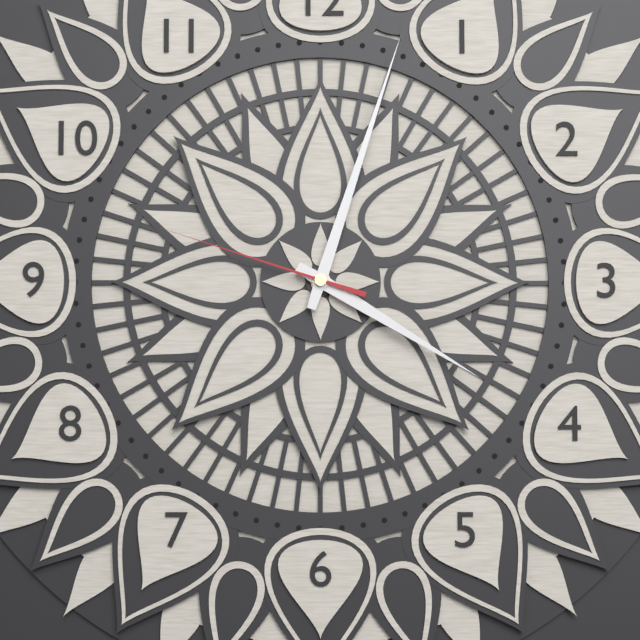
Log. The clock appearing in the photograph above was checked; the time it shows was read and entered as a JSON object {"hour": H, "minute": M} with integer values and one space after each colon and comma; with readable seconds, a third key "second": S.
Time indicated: {"hour": 4, "minute": 3, "second": 48}
